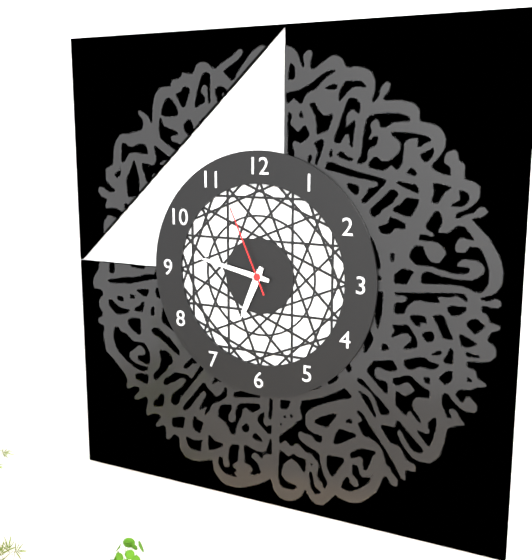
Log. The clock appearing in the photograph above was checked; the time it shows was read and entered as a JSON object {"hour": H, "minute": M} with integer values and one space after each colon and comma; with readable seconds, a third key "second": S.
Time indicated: {"hour": 6, "minute": 47, "second": 56}
